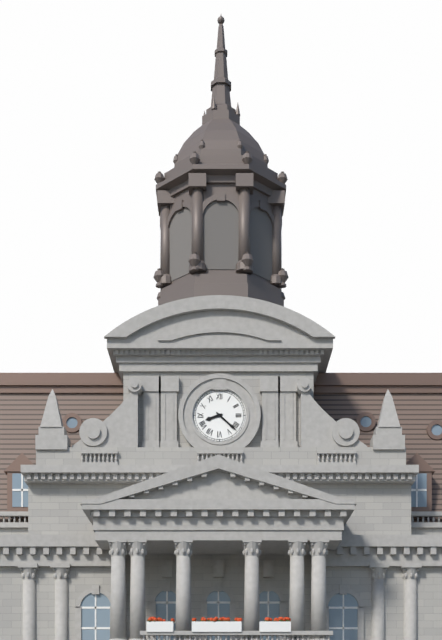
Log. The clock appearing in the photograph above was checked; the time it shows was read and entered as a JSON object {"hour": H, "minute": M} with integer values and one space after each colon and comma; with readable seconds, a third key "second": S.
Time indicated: {"hour": 8, "minute": 22}
